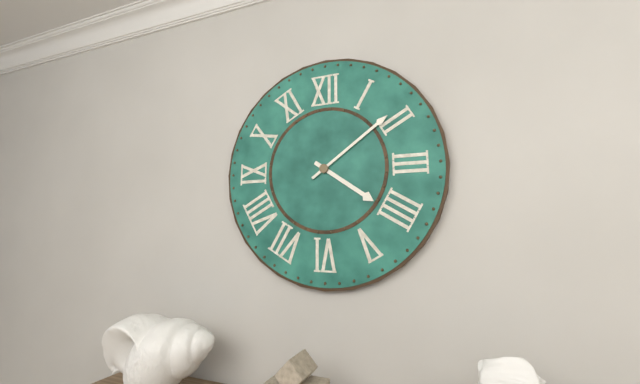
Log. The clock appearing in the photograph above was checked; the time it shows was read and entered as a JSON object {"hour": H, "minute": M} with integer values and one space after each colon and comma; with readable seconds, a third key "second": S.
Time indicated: {"hour": 4, "minute": 9}
